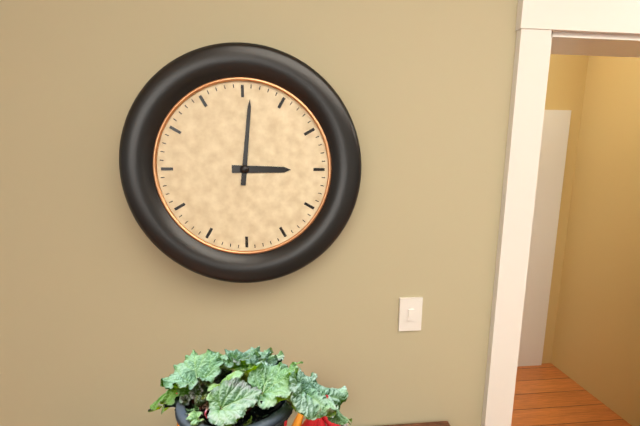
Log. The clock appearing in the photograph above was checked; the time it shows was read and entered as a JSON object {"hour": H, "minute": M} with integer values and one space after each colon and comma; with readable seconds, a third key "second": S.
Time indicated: {"hour": 3, "minute": 1}
